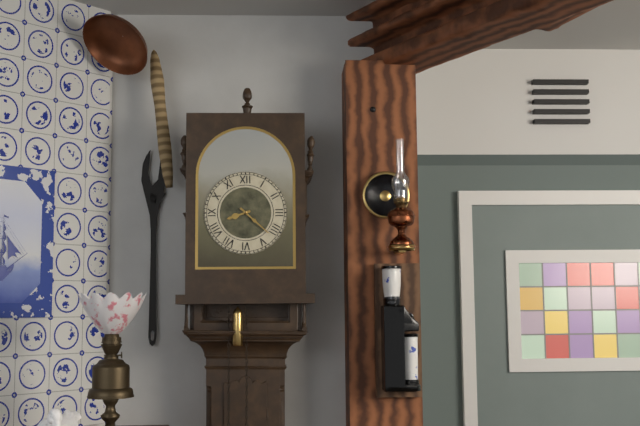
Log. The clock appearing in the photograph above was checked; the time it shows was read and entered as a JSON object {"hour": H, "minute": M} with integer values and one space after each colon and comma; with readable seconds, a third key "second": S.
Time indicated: {"hour": 8, "minute": 22}
